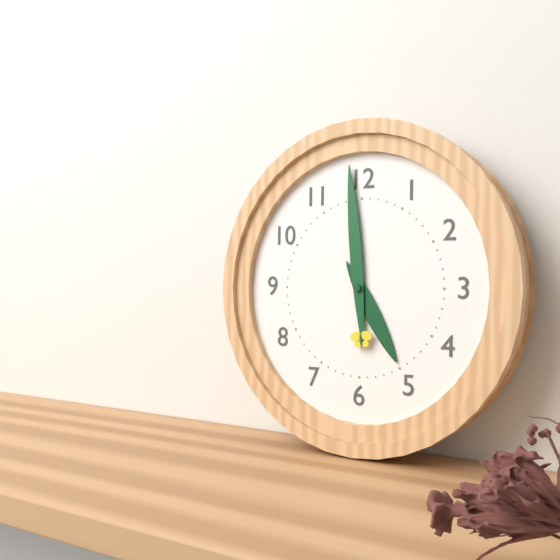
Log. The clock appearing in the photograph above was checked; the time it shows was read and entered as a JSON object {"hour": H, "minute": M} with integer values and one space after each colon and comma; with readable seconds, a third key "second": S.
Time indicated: {"hour": 4, "minute": 59}
